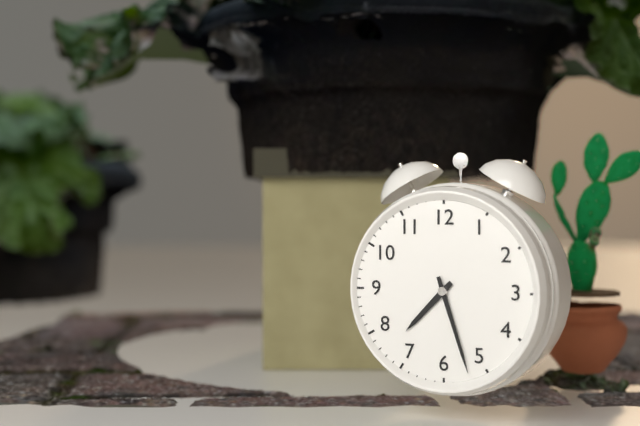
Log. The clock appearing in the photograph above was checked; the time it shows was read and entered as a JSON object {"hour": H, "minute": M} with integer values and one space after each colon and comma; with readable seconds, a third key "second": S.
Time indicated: {"hour": 7, "minute": 27}
